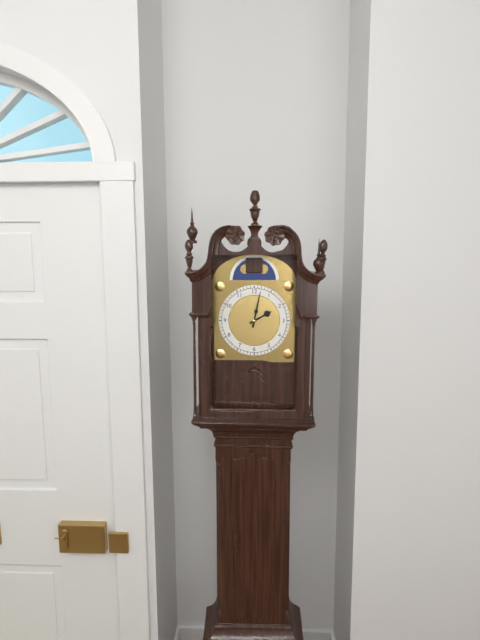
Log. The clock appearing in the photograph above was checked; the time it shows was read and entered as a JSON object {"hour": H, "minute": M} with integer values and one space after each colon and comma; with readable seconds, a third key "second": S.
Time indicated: {"hour": 2, "minute": 2}
